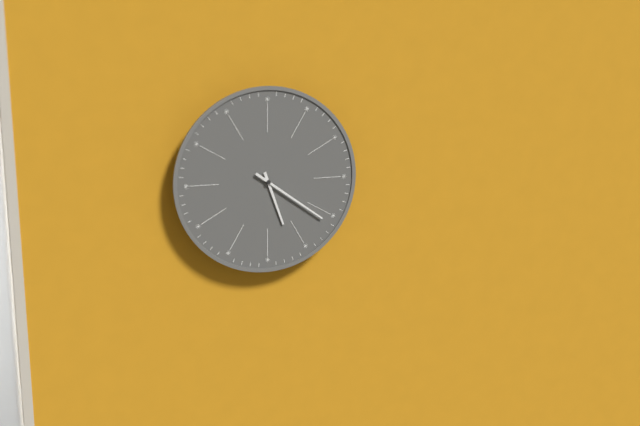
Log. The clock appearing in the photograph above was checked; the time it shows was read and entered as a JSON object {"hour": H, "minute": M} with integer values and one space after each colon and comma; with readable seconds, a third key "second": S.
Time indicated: {"hour": 5, "minute": 21}
